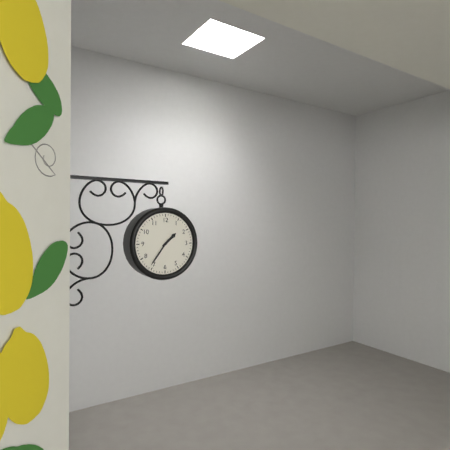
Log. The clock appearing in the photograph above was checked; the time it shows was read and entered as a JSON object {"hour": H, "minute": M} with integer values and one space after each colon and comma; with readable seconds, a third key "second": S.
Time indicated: {"hour": 1, "minute": 36}
